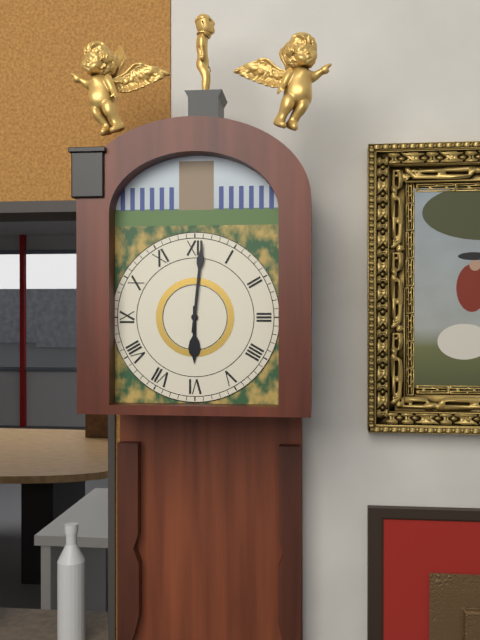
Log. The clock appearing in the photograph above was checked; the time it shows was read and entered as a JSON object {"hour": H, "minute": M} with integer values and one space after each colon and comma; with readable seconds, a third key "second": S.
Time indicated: {"hour": 6, "minute": 1}
